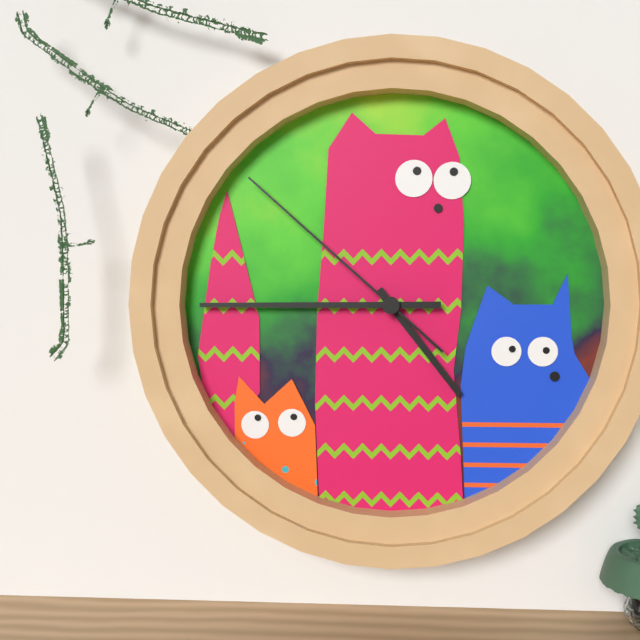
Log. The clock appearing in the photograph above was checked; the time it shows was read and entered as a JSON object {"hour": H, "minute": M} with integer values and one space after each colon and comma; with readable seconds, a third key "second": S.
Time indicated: {"hour": 4, "minute": 45, "second": 52}
